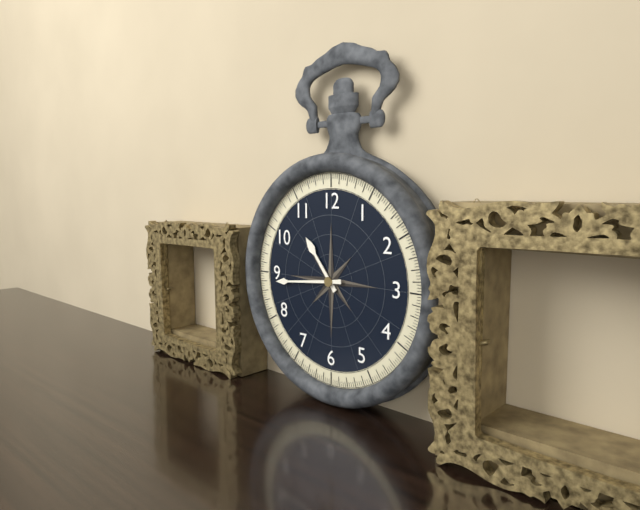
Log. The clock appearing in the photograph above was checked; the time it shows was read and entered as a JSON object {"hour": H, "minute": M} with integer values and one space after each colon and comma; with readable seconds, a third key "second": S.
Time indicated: {"hour": 10, "minute": 44}
